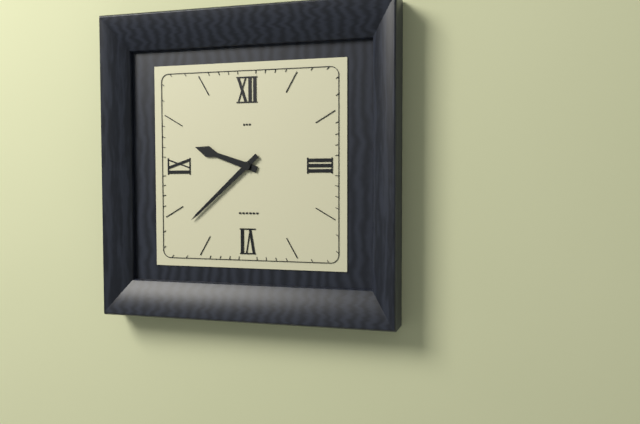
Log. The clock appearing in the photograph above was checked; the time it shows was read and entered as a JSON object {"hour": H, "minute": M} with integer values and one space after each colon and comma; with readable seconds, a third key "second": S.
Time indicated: {"hour": 9, "minute": 38}
